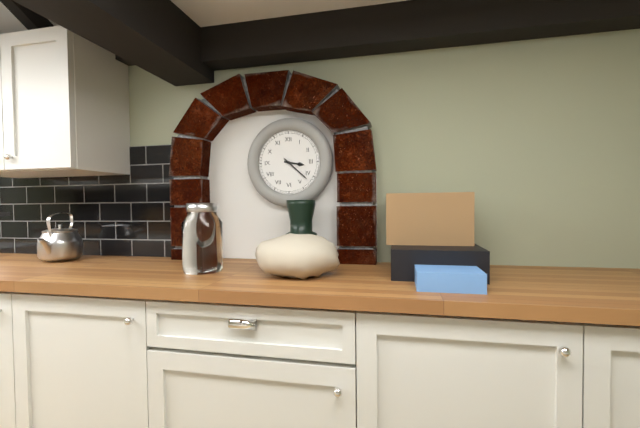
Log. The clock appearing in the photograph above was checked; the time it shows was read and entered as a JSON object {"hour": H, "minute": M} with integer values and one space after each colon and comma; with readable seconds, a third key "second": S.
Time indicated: {"hour": 3, "minute": 22}
